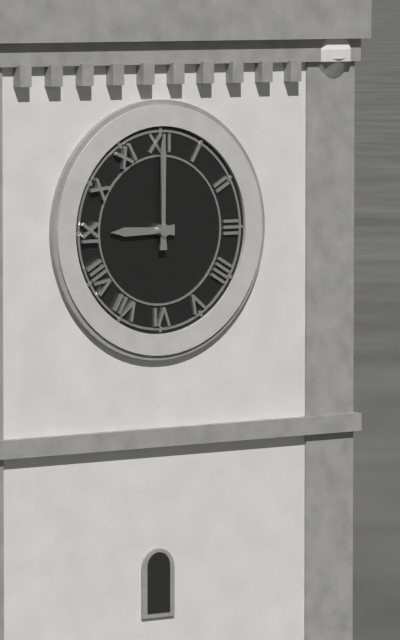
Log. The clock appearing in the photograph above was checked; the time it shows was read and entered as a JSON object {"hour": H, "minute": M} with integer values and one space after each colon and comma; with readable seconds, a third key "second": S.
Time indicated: {"hour": 9, "minute": 0}
